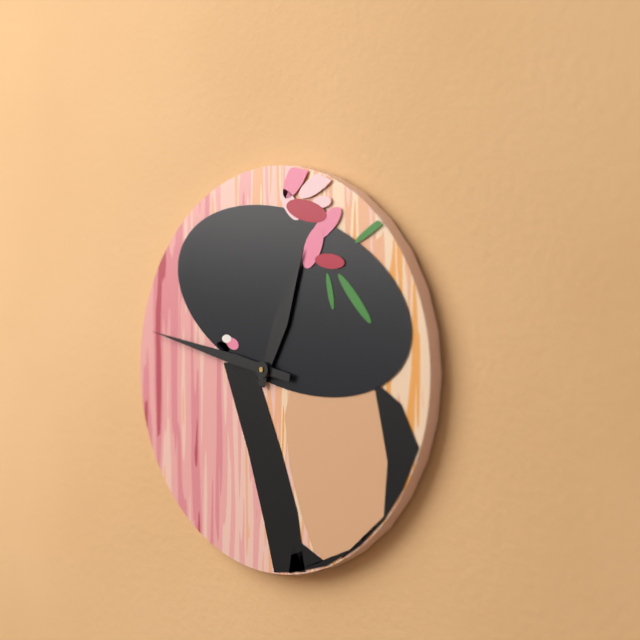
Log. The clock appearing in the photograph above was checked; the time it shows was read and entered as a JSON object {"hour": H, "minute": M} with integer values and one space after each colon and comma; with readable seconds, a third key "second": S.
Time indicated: {"hour": 12, "minute": 47}
